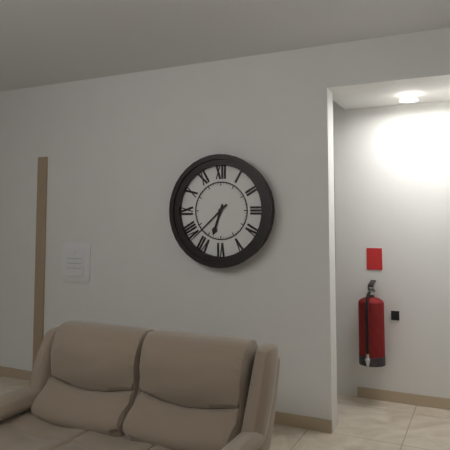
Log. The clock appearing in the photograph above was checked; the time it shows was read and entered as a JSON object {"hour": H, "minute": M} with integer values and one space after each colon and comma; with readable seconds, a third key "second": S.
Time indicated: {"hour": 6, "minute": 38}
